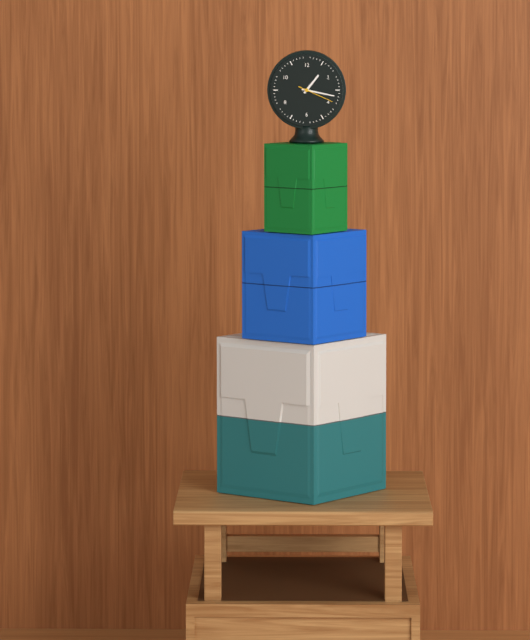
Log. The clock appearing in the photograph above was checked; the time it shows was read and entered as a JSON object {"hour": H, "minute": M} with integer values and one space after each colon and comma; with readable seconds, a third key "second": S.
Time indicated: {"hour": 1, "minute": 17}
